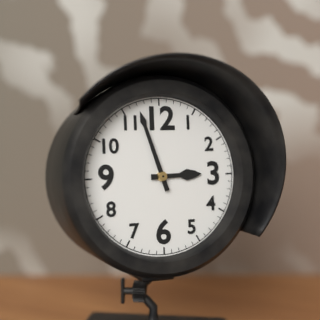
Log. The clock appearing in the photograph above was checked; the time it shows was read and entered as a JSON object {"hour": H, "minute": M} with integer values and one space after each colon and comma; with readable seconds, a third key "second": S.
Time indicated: {"hour": 2, "minute": 57}
